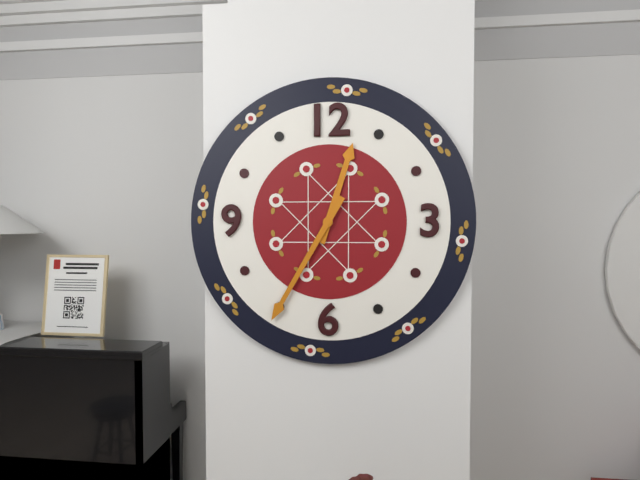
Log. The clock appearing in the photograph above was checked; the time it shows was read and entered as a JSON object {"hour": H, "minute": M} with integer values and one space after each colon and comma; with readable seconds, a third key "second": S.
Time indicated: {"hour": 12, "minute": 35}
